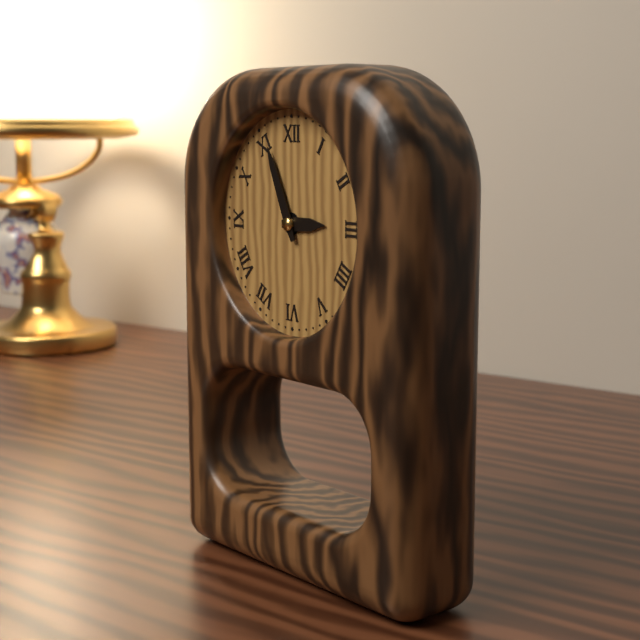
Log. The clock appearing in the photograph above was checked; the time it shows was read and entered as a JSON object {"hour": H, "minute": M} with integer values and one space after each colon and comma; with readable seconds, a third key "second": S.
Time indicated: {"hour": 2, "minute": 56}
